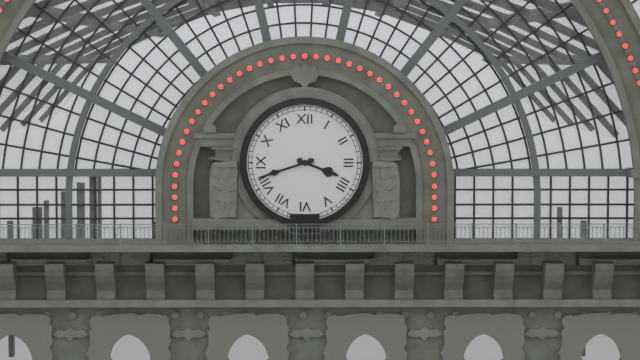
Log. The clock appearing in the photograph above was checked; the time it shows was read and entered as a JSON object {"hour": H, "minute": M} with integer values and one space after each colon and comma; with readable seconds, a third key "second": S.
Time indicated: {"hour": 3, "minute": 42}
